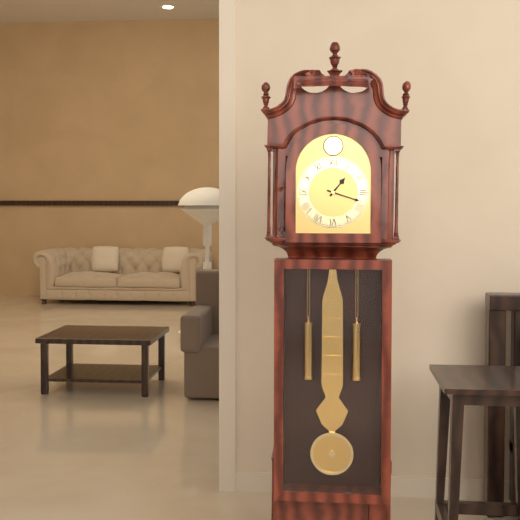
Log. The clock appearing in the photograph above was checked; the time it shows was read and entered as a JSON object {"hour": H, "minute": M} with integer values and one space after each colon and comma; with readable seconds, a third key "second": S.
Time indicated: {"hour": 1, "minute": 18}
